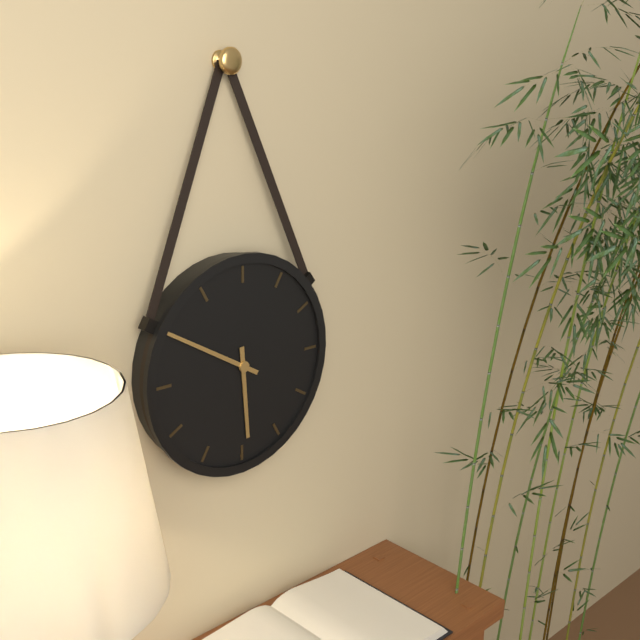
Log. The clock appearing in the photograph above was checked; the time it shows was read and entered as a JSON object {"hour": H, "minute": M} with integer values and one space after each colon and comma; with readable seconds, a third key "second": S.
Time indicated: {"hour": 5, "minute": 50}
